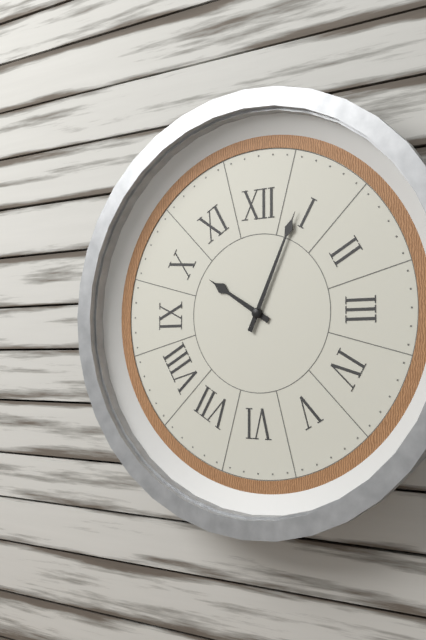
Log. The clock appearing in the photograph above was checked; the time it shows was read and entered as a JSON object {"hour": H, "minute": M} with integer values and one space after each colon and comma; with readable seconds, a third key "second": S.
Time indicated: {"hour": 10, "minute": 4}
